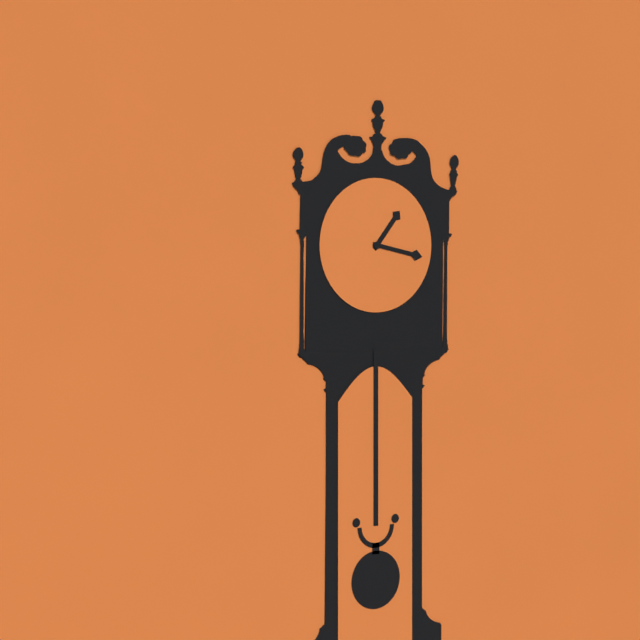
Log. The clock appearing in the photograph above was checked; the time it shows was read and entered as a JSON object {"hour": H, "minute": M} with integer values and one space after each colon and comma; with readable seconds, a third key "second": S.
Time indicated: {"hour": 1, "minute": 17}
